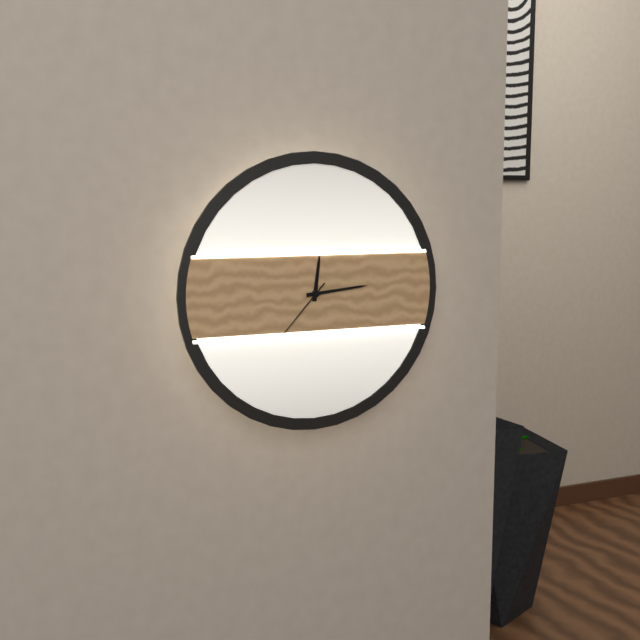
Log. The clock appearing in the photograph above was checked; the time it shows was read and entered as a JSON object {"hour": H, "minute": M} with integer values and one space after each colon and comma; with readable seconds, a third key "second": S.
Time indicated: {"hour": 12, "minute": 14, "second": 37}
